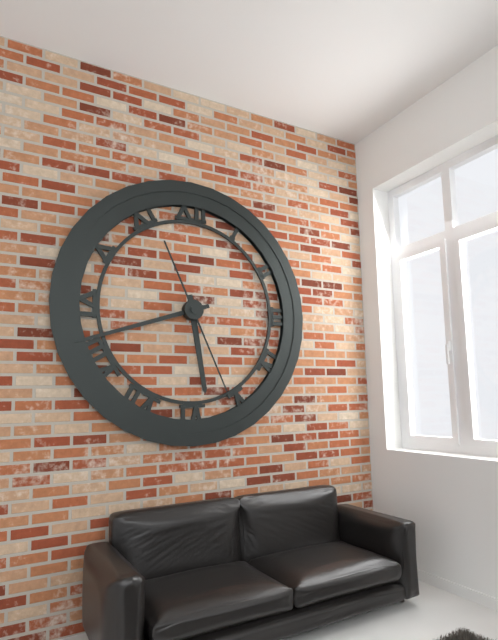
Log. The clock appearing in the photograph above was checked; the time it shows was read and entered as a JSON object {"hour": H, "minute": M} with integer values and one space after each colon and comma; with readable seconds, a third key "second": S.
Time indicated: {"hour": 5, "minute": 42, "second": 26}
